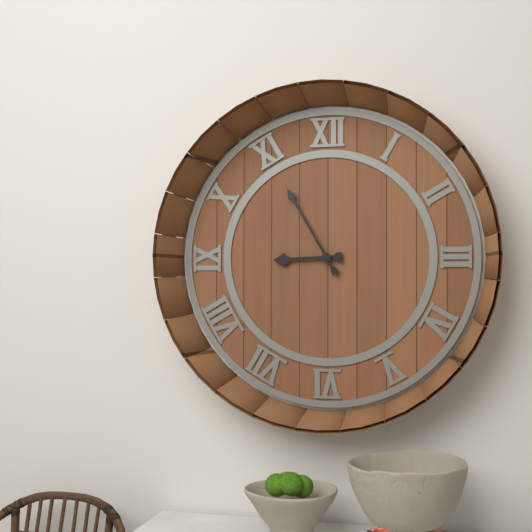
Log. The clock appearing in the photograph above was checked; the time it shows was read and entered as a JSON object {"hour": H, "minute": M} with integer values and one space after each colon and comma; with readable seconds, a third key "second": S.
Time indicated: {"hour": 8, "minute": 55}
